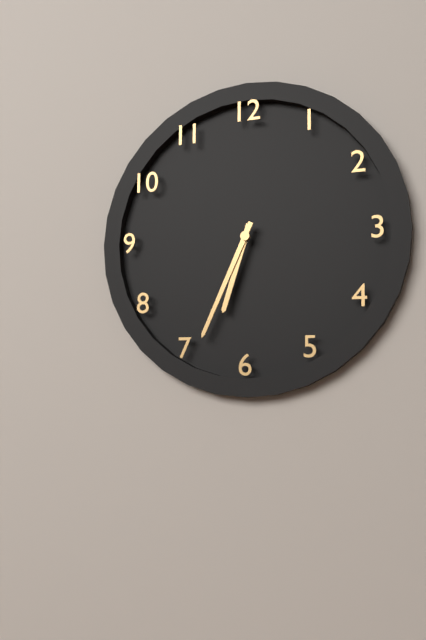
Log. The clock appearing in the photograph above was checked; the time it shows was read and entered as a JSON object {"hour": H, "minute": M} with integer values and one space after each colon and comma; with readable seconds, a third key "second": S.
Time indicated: {"hour": 6, "minute": 34}
